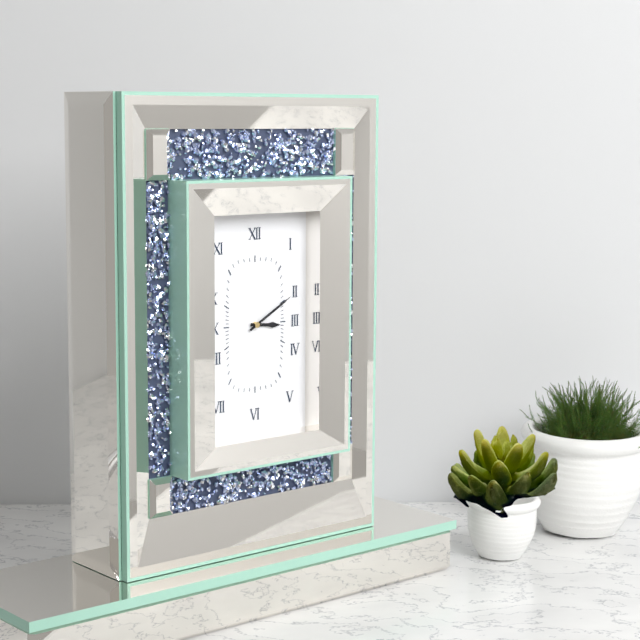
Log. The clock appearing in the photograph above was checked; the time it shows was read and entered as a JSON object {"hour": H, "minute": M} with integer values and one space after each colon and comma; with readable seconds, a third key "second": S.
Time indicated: {"hour": 3, "minute": 10}
